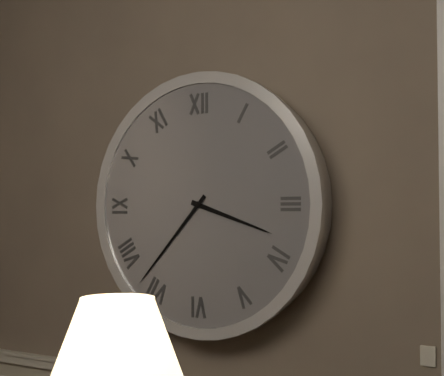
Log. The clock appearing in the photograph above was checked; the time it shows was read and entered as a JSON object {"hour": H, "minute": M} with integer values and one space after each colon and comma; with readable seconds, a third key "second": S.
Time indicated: {"hour": 3, "minute": 37}
